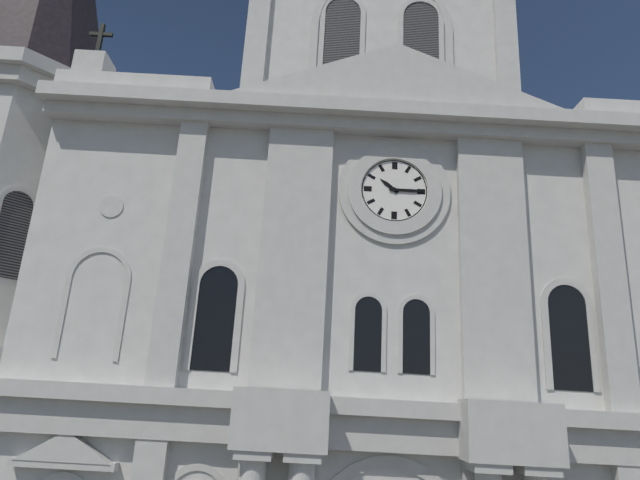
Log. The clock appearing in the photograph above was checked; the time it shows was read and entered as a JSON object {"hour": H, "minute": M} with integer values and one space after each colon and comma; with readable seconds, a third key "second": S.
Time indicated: {"hour": 10, "minute": 15}
